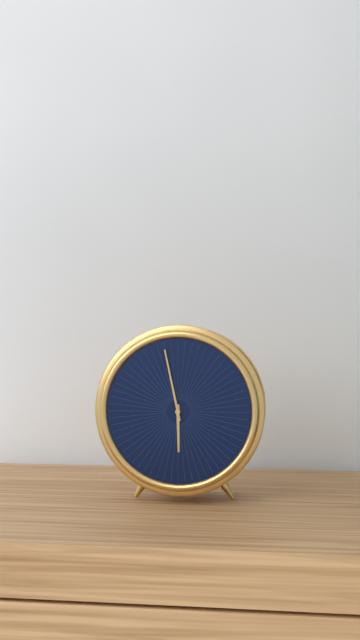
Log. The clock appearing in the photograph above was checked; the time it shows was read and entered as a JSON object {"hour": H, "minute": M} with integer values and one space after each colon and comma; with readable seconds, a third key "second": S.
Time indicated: {"hour": 5, "minute": 58}
